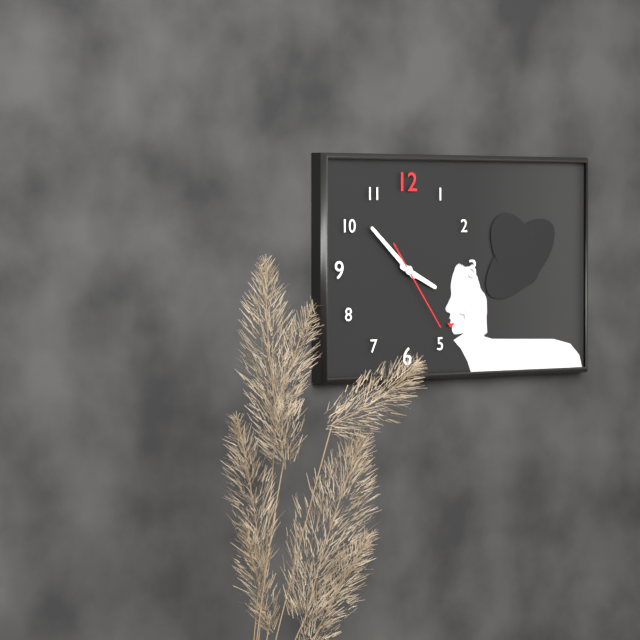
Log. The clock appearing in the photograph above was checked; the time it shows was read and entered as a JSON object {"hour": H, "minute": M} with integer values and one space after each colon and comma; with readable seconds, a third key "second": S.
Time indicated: {"hour": 3, "minute": 52, "second": 24}
